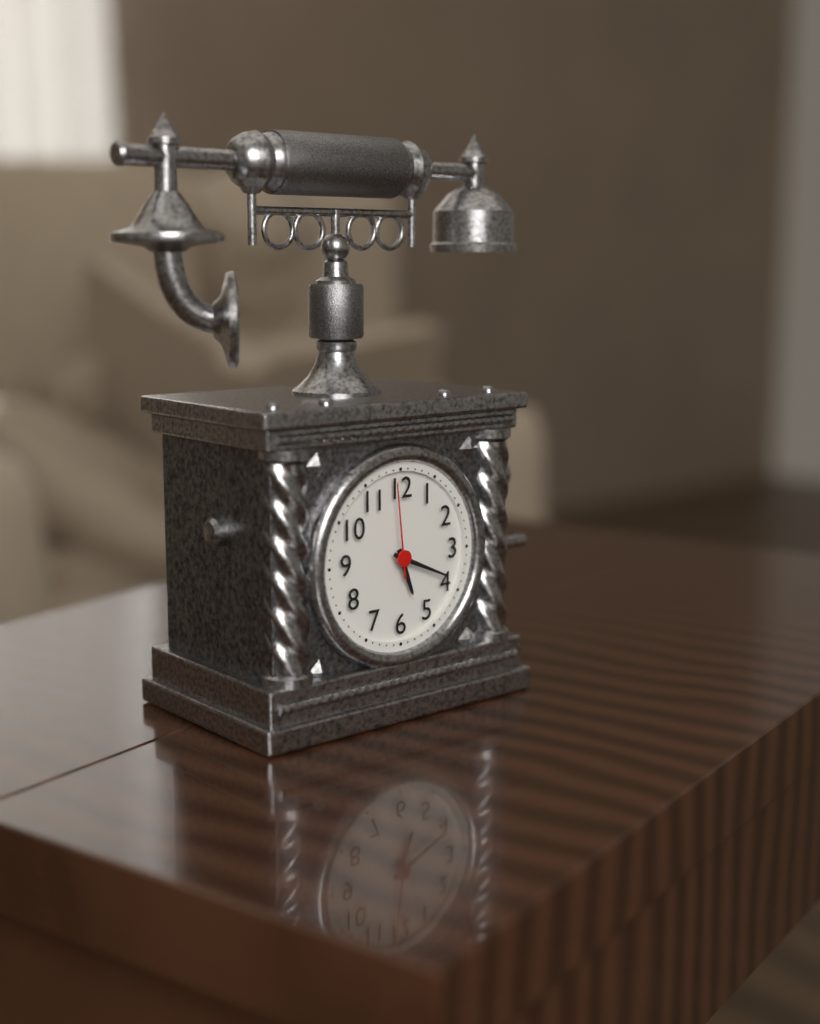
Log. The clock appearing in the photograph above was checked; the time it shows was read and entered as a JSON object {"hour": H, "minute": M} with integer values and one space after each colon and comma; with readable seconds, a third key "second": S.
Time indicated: {"hour": 5, "minute": 19, "second": 59}
